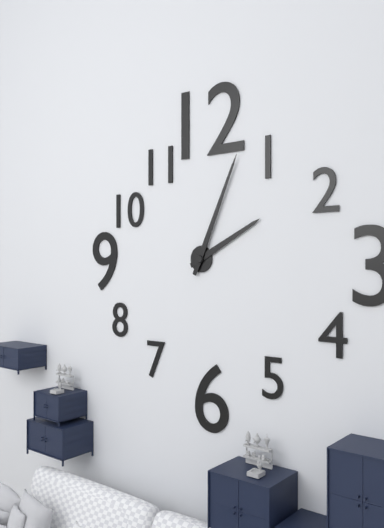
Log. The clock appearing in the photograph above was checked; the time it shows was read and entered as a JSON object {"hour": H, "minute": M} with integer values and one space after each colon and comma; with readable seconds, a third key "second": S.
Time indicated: {"hour": 2, "minute": 4}
